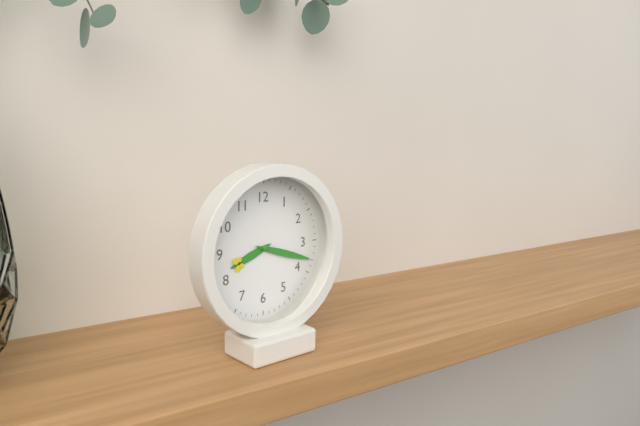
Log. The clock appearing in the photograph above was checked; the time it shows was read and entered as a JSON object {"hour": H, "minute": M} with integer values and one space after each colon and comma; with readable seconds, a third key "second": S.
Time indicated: {"hour": 8, "minute": 18}
